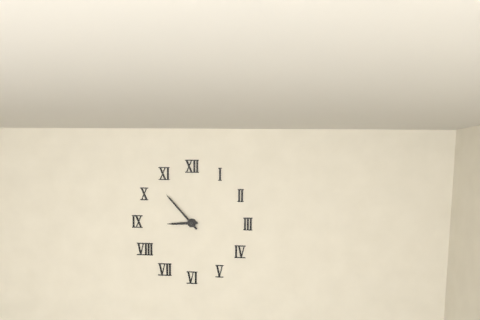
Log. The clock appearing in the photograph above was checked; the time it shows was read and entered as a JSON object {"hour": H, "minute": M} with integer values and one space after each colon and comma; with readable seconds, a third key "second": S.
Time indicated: {"hour": 8, "minute": 53}
